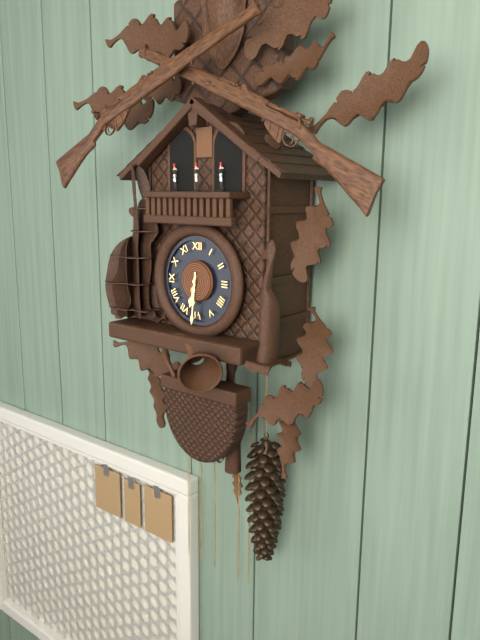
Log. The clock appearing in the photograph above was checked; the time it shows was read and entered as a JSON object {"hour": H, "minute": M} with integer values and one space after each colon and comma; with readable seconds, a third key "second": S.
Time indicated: {"hour": 6, "minute": 31}
